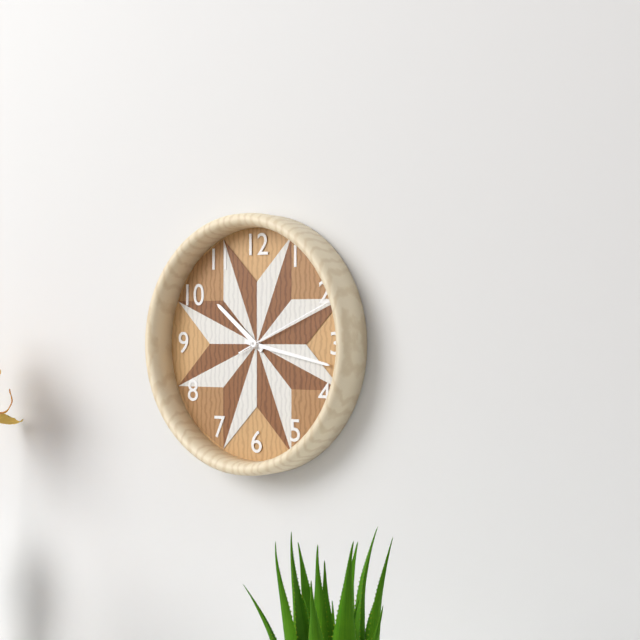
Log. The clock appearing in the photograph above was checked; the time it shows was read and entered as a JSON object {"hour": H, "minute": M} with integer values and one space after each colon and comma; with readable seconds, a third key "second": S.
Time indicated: {"hour": 10, "minute": 17, "second": 11}
